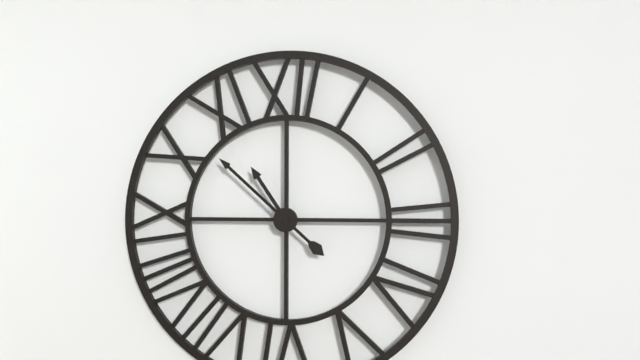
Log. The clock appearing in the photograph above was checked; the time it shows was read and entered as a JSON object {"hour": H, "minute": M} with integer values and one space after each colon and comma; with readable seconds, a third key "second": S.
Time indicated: {"hour": 10, "minute": 52}
